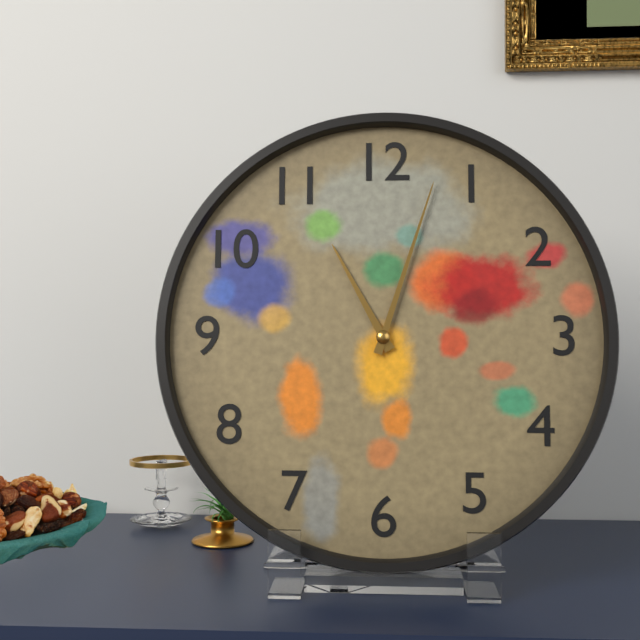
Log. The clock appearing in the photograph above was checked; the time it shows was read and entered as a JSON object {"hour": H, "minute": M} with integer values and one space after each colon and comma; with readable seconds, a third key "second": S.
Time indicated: {"hour": 11, "minute": 3}
